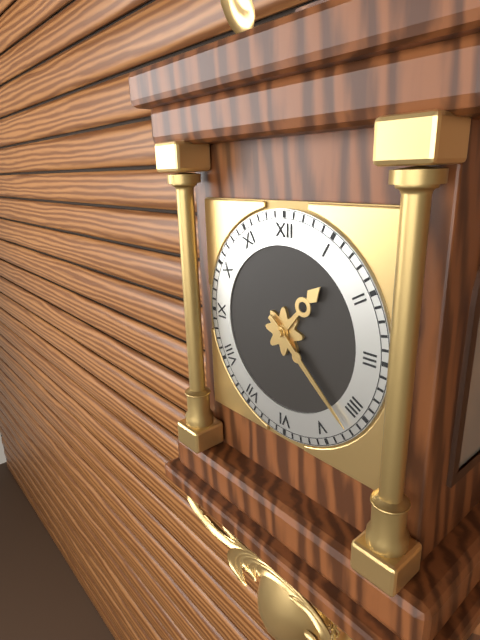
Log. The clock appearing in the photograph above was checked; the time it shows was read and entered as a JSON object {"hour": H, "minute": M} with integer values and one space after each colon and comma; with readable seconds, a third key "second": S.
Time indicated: {"hour": 1, "minute": 22}
